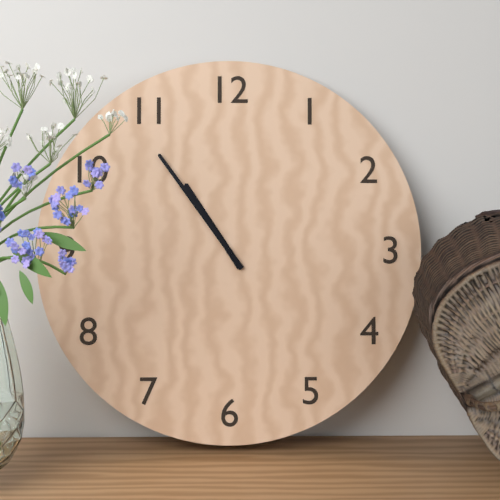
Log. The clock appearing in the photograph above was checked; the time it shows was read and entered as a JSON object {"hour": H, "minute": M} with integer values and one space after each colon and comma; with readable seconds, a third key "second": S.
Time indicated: {"hour": 10, "minute": 54}
